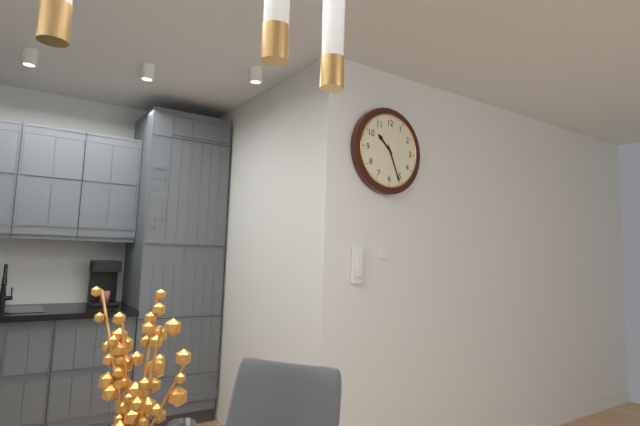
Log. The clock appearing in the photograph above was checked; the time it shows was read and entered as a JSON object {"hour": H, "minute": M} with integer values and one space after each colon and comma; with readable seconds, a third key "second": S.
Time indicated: {"hour": 10, "minute": 26}
